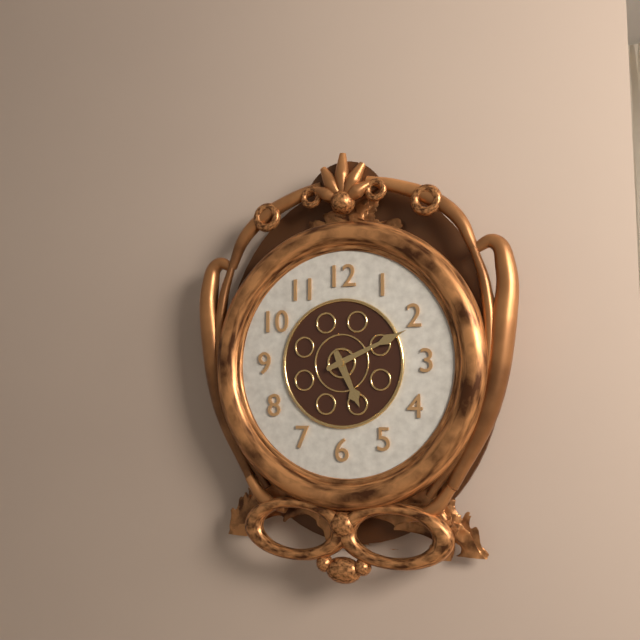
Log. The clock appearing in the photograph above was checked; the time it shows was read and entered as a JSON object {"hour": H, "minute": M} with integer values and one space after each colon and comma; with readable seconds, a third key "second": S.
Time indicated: {"hour": 5, "minute": 11}
